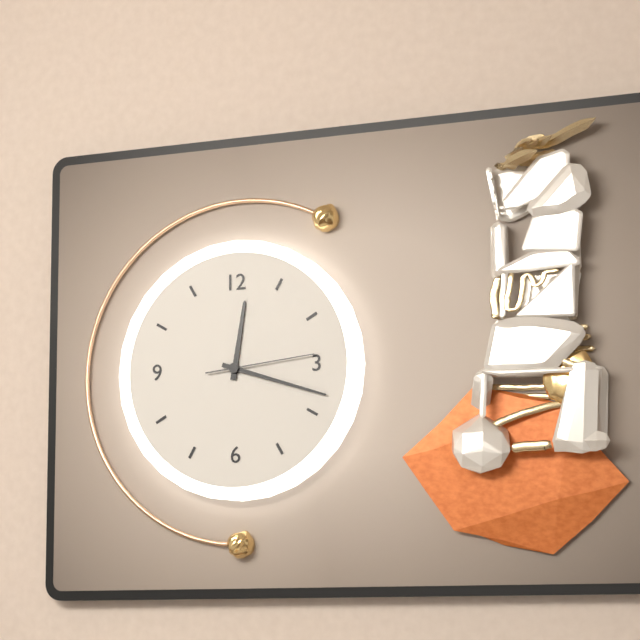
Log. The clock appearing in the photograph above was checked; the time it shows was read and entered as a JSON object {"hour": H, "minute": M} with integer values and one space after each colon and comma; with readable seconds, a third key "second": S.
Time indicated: {"hour": 12, "minute": 18, "second": 14}
